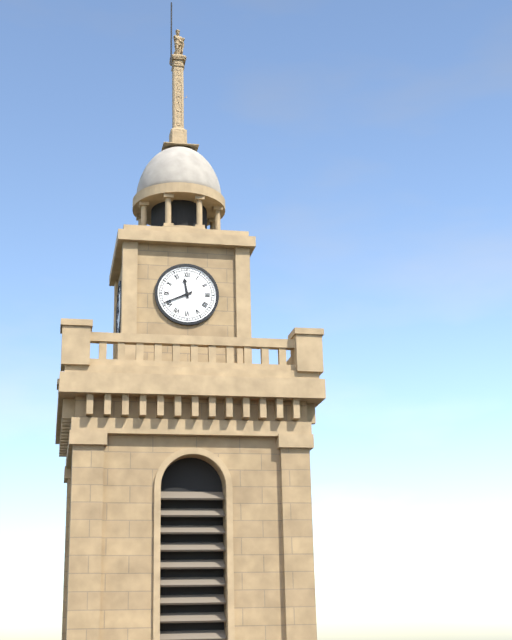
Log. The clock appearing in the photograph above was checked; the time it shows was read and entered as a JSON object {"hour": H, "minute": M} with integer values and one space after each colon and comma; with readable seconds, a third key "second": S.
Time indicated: {"hour": 11, "minute": 41}
